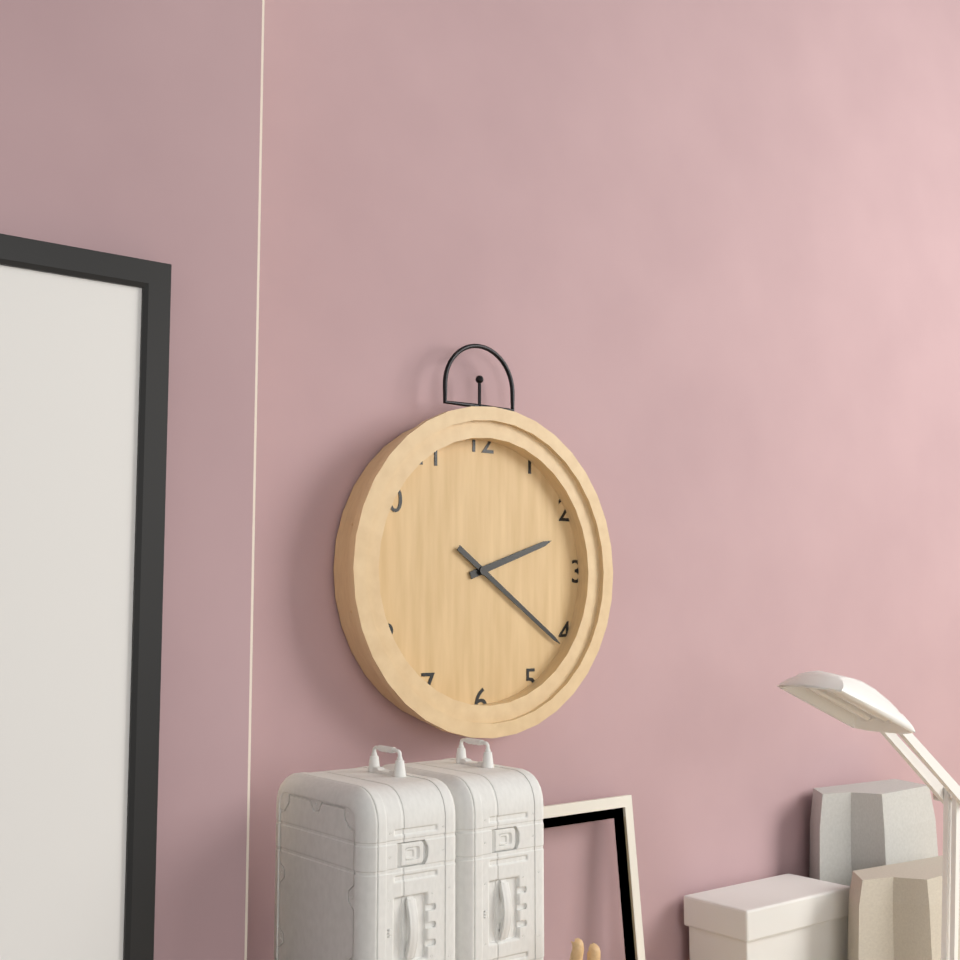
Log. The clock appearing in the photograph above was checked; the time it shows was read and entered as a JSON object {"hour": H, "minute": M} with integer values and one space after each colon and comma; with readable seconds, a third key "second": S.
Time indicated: {"hour": 2, "minute": 21}
